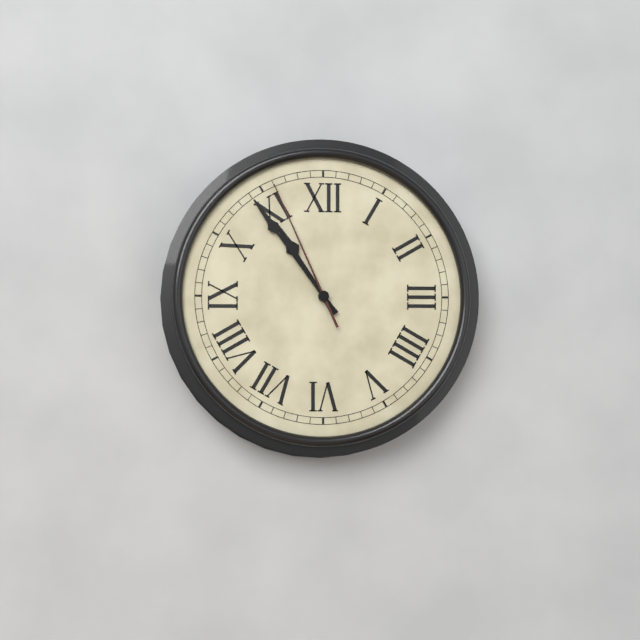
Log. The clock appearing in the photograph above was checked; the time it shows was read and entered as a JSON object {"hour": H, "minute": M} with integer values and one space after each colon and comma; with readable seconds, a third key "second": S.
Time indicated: {"hour": 10, "minute": 54, "second": 56}
